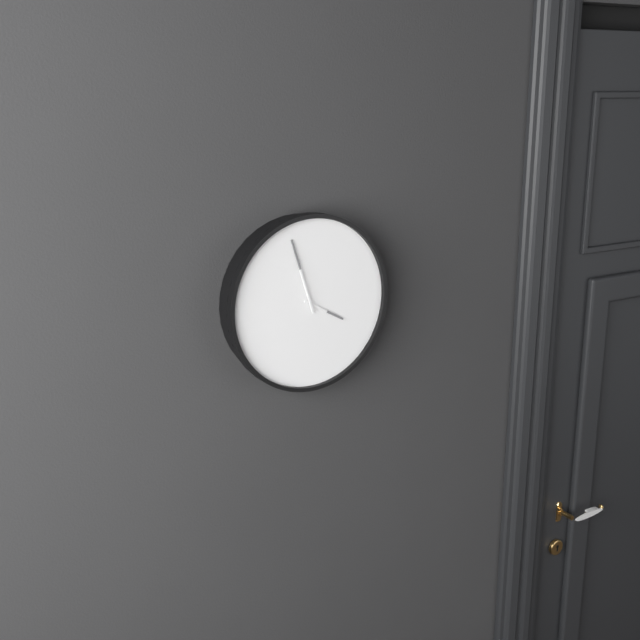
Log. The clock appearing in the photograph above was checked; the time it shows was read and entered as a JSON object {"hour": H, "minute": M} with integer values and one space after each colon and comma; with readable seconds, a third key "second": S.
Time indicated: {"hour": 3, "minute": 57}
